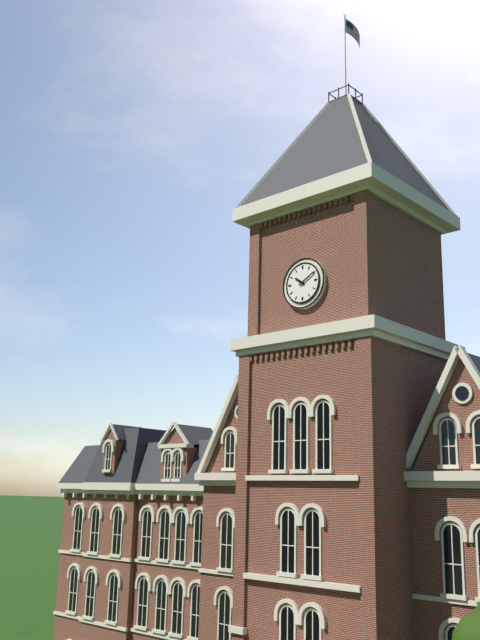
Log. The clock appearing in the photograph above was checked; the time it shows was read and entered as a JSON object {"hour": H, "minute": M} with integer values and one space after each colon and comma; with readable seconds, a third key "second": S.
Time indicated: {"hour": 10, "minute": 10}
